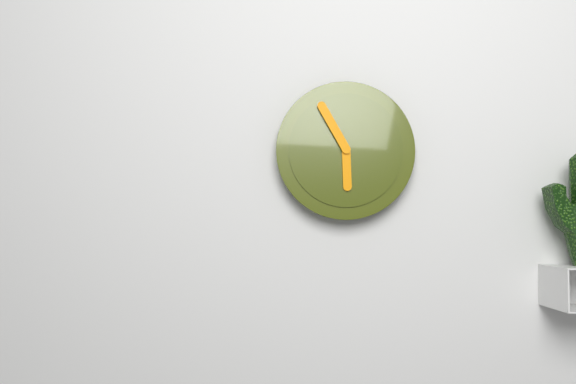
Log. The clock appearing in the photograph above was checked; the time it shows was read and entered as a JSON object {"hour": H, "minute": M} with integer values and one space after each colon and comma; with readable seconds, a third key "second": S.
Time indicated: {"hour": 5, "minute": 55}
